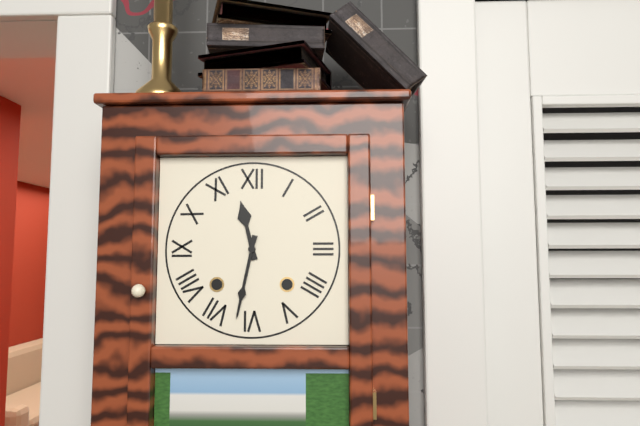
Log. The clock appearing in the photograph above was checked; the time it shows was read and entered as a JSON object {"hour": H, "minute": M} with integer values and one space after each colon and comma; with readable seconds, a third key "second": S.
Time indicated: {"hour": 11, "minute": 32}
